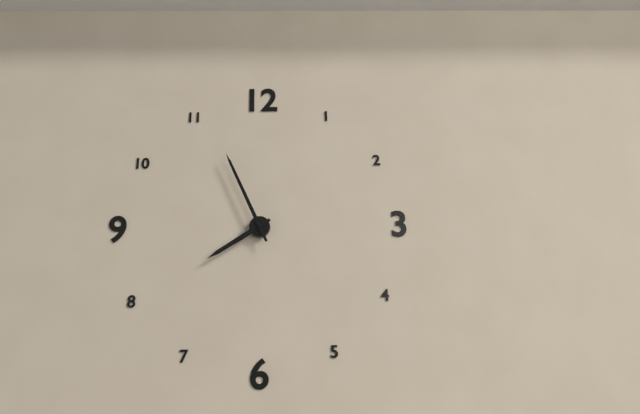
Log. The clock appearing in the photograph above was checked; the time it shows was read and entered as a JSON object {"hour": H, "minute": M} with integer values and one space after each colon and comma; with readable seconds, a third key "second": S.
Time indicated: {"hour": 7, "minute": 56}
